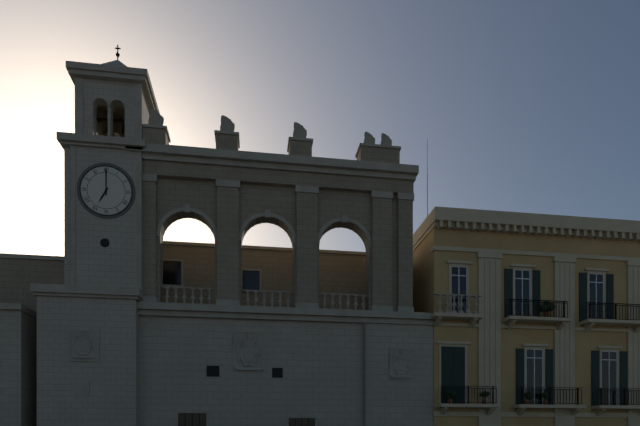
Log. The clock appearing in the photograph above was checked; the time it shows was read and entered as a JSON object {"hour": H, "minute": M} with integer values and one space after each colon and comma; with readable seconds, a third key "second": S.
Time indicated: {"hour": 7, "minute": 0}
